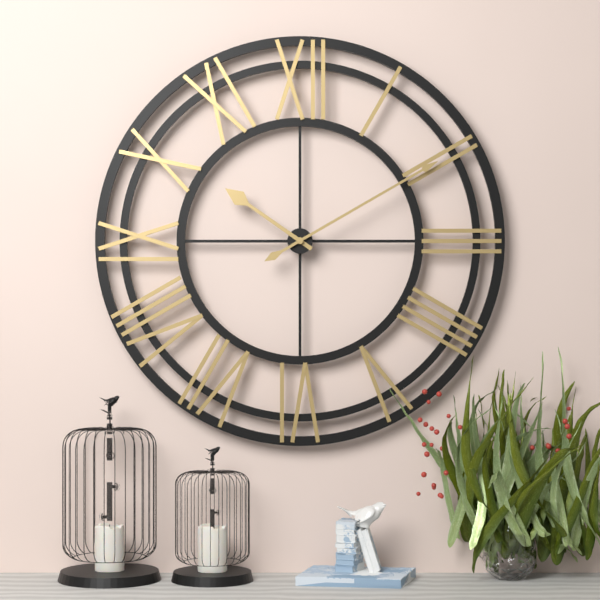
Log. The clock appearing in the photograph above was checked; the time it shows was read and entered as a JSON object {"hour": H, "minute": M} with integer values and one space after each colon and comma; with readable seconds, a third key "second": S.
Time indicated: {"hour": 10, "minute": 10}
